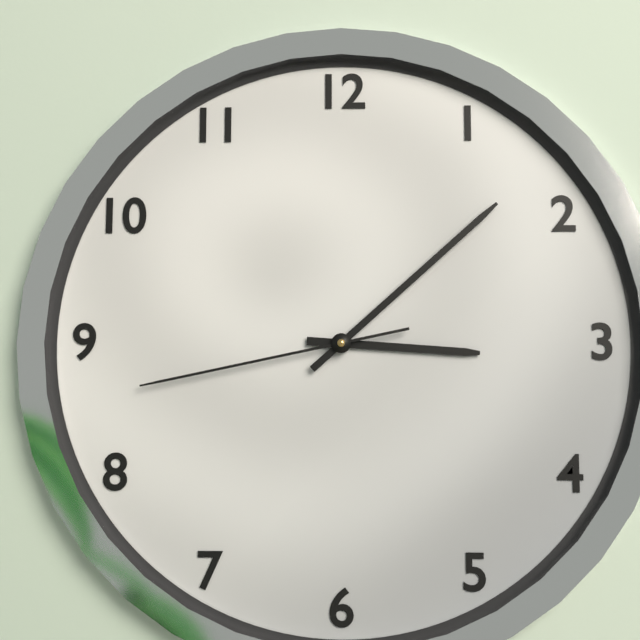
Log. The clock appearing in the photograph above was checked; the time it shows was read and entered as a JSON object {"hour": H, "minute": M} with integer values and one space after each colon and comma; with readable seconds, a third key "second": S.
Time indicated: {"hour": 3, "minute": 8, "second": 43}
